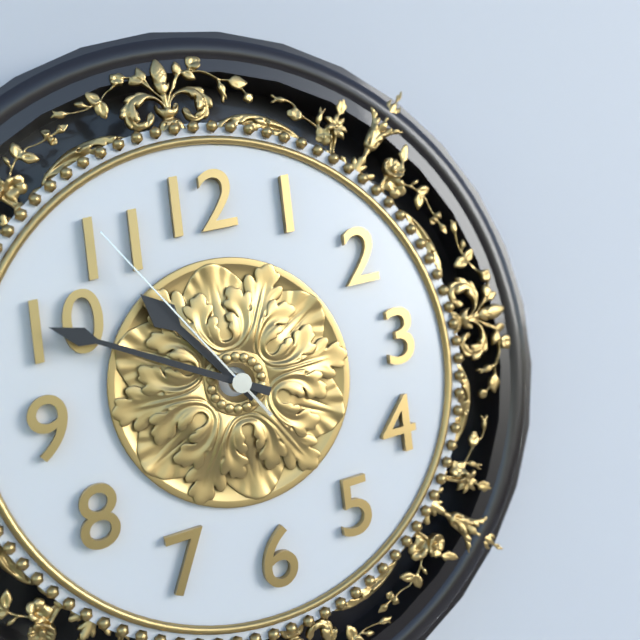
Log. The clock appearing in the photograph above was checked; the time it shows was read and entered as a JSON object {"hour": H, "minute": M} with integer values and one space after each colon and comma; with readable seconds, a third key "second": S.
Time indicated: {"hour": 10, "minute": 50, "second": 55}
